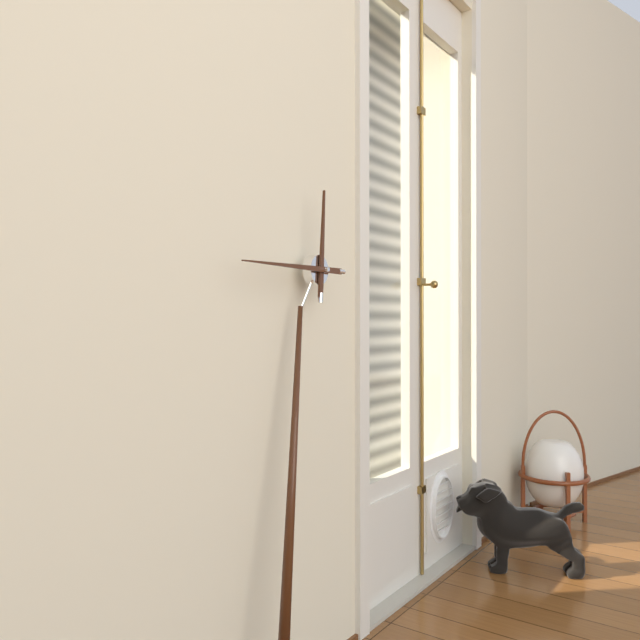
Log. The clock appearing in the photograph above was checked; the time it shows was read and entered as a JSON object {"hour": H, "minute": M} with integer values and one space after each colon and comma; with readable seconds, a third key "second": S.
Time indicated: {"hour": 11, "minute": 43}
